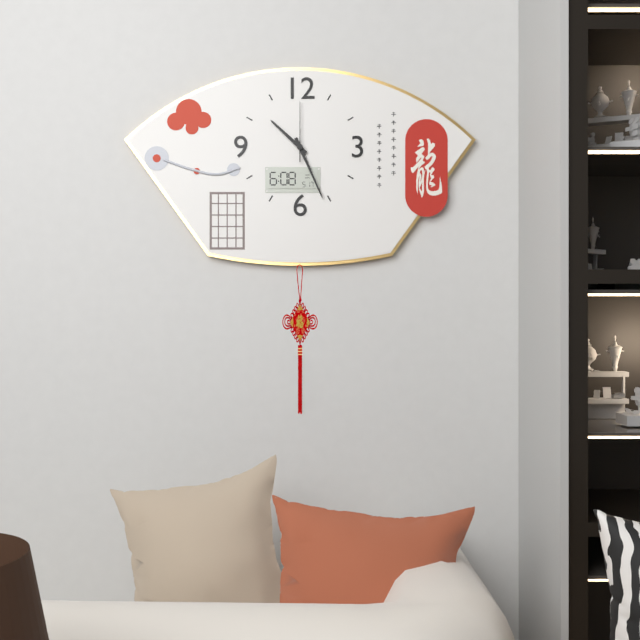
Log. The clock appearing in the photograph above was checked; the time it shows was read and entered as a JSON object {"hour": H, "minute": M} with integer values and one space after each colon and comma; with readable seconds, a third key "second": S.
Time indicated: {"hour": 10, "minute": 26, "second": 0}
